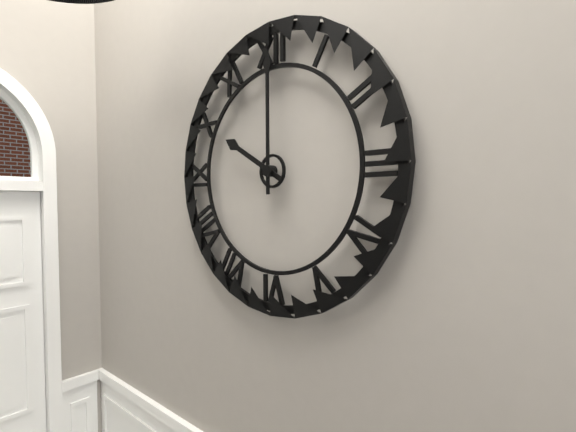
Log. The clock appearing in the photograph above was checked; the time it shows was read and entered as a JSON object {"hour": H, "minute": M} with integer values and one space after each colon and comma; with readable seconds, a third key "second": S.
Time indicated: {"hour": 10, "minute": 0}
